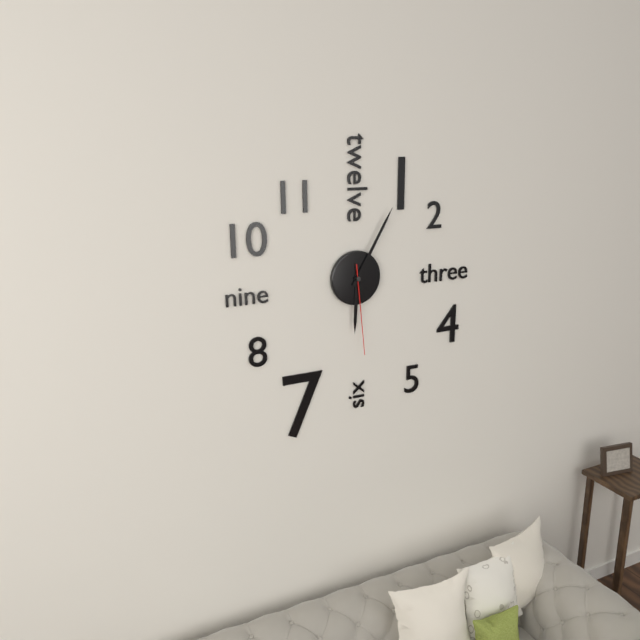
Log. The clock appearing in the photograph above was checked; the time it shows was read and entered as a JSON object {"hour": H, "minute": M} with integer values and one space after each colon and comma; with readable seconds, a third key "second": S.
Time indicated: {"hour": 6, "minute": 5, "second": 29}
